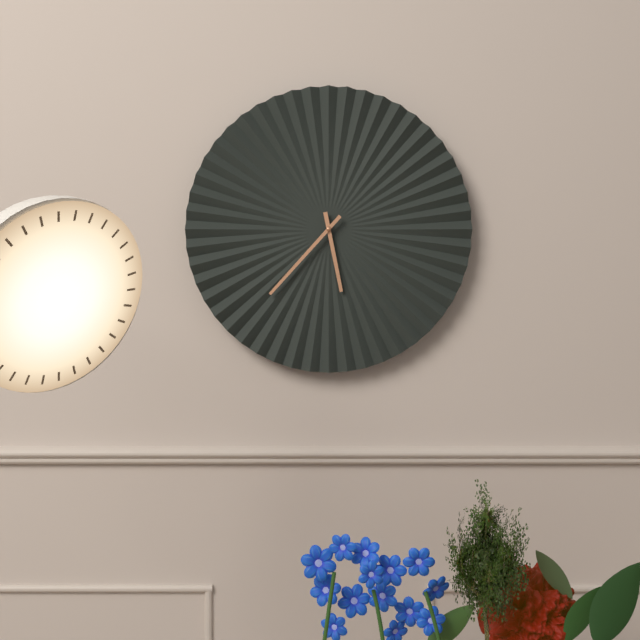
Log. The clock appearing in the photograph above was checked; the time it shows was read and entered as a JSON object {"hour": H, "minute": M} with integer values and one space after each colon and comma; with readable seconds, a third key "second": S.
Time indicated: {"hour": 5, "minute": 37}
